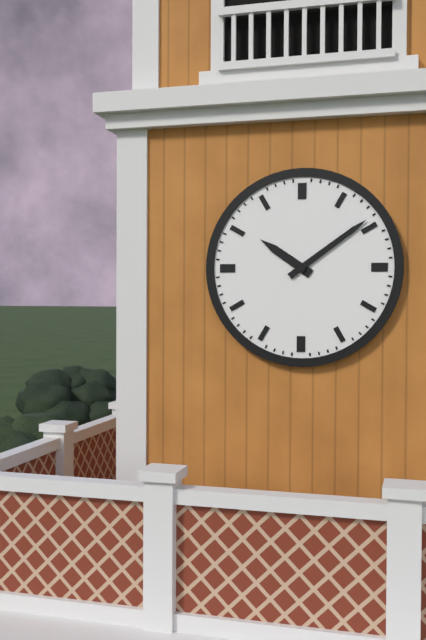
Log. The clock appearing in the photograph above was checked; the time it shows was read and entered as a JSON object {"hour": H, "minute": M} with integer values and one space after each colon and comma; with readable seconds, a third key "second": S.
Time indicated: {"hour": 10, "minute": 9}
